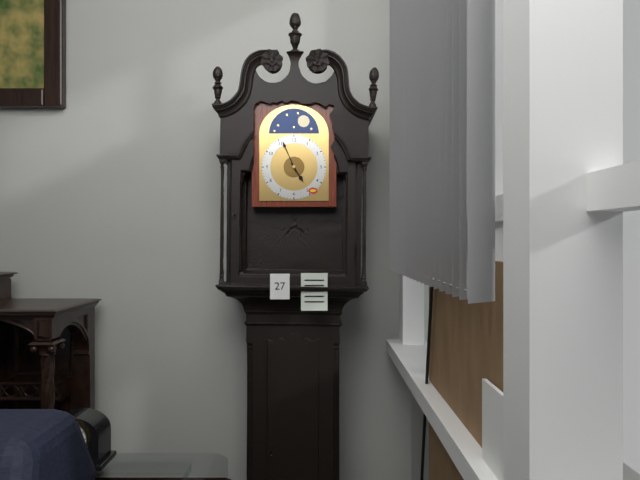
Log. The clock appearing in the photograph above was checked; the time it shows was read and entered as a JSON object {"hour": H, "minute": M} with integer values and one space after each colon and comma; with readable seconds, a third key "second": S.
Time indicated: {"hour": 4, "minute": 56}
